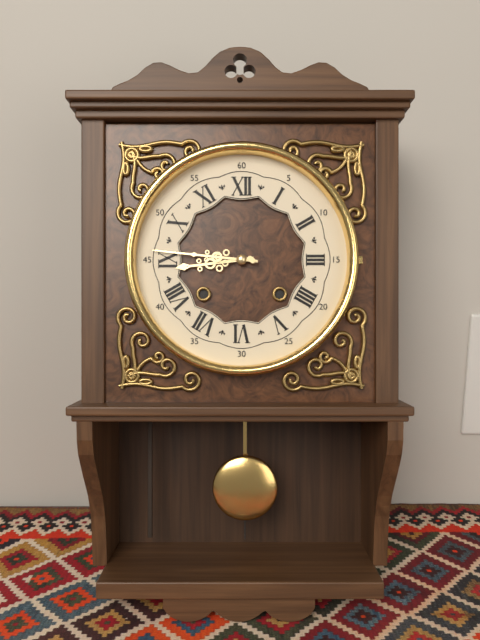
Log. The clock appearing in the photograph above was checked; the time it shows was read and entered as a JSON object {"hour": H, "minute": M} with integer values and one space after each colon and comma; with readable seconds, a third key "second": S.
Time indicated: {"hour": 8, "minute": 46}
